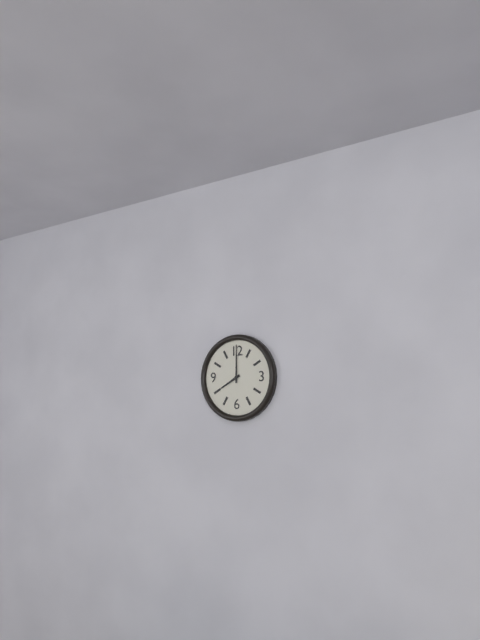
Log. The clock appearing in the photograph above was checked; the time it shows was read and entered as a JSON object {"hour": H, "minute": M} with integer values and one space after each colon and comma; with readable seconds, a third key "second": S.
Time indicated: {"hour": 8, "minute": 0}
